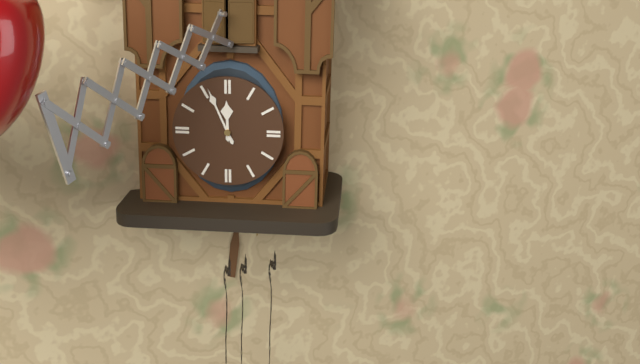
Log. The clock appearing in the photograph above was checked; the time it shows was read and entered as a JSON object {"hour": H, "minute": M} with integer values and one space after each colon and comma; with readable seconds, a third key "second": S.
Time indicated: {"hour": 11, "minute": 56}
